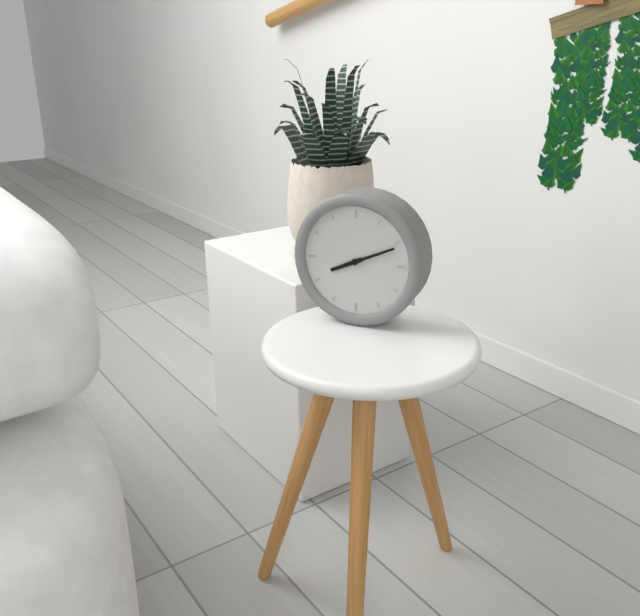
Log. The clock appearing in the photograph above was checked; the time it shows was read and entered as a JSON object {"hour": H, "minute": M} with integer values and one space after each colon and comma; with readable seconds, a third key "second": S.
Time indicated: {"hour": 8, "minute": 11}
